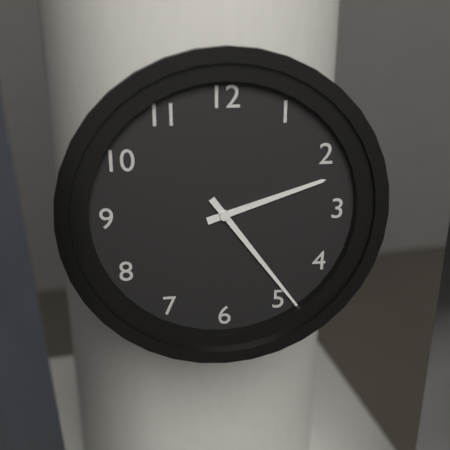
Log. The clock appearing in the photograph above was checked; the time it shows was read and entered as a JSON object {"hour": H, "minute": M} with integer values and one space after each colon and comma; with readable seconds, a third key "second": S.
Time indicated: {"hour": 2, "minute": 24}
